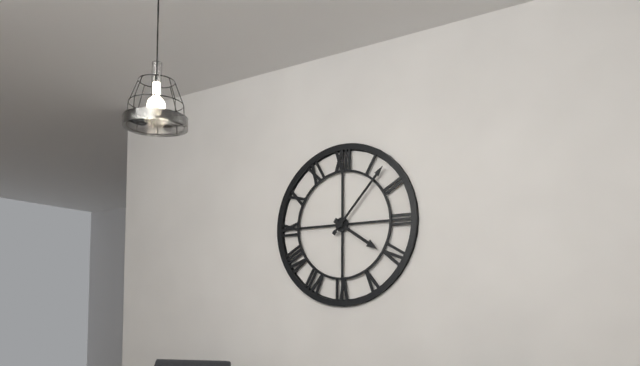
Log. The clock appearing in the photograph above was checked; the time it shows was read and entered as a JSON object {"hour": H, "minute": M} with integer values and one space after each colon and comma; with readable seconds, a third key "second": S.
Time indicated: {"hour": 4, "minute": 7}
